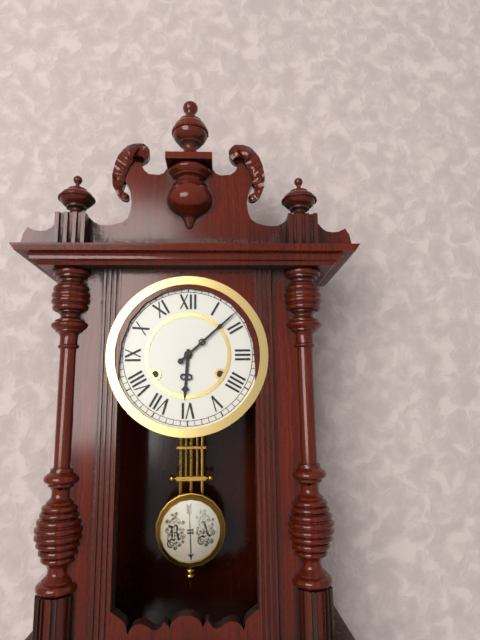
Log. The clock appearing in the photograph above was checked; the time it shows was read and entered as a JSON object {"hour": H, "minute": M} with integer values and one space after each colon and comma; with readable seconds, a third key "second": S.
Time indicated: {"hour": 6, "minute": 8}
